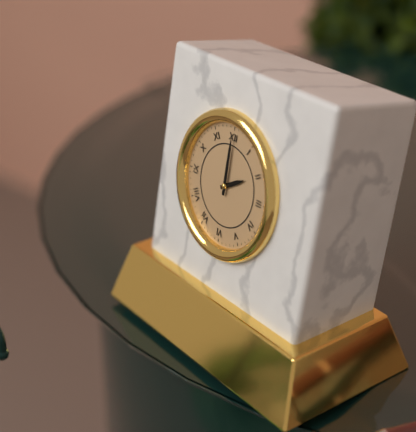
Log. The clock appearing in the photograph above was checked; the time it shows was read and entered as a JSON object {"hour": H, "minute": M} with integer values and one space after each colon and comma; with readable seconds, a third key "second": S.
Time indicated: {"hour": 2, "minute": 0}
